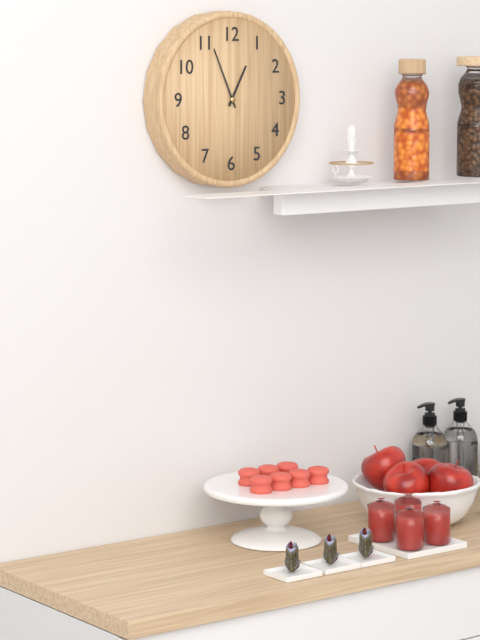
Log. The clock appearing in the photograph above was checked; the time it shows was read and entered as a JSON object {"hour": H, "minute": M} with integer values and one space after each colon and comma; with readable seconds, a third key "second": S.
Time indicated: {"hour": 12, "minute": 56}
